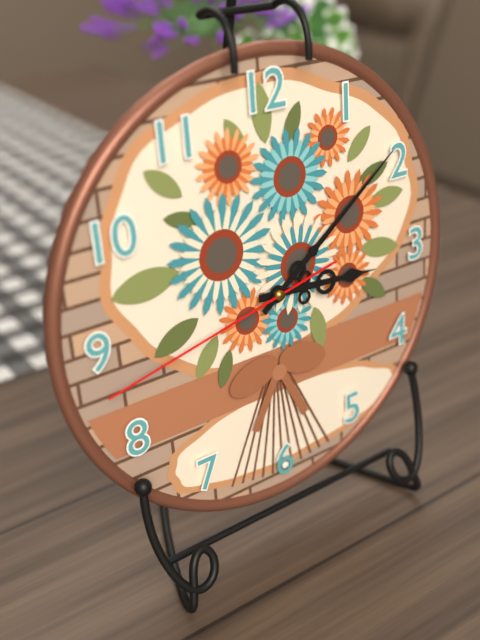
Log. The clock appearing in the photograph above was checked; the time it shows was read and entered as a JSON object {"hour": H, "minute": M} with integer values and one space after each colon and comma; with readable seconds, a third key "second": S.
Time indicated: {"hour": 3, "minute": 9, "second": 43}
